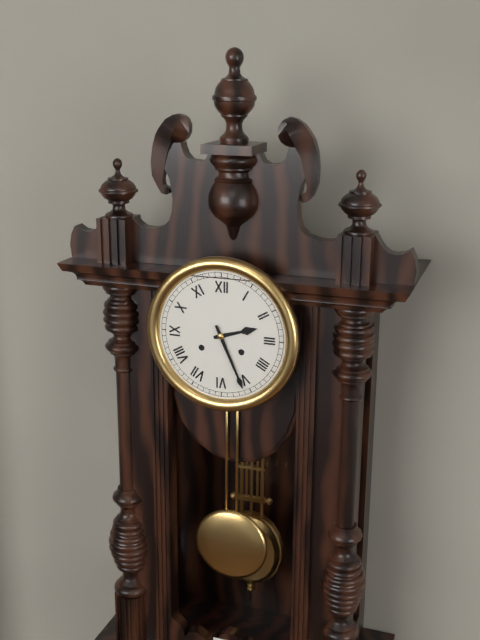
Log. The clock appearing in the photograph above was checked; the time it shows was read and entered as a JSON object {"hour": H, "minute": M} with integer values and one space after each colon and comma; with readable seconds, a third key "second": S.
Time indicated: {"hour": 2, "minute": 26}
